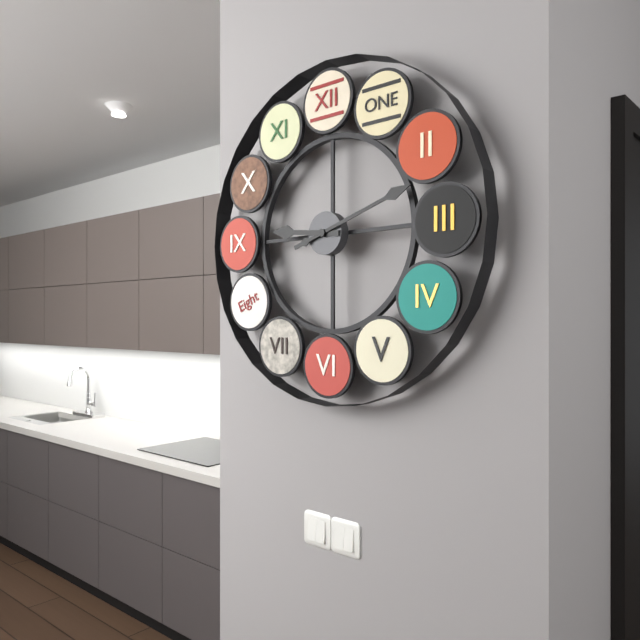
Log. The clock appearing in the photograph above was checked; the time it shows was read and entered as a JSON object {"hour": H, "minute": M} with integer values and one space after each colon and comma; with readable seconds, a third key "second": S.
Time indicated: {"hour": 9, "minute": 12}
